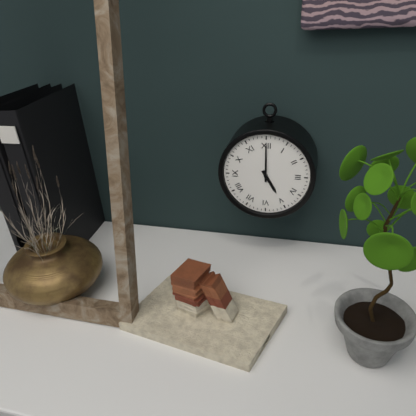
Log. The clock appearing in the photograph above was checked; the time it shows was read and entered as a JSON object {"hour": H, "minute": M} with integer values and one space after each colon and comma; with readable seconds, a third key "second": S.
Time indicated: {"hour": 5, "minute": 0}
